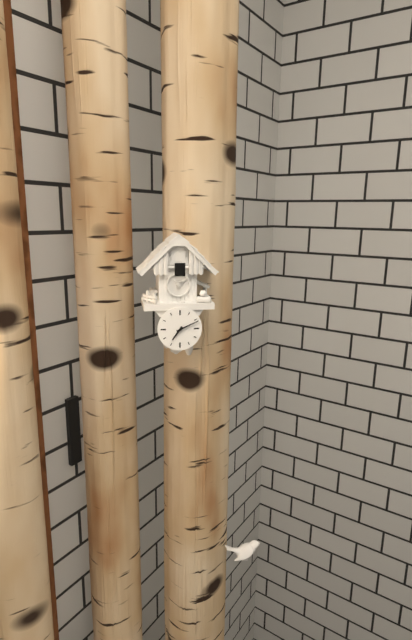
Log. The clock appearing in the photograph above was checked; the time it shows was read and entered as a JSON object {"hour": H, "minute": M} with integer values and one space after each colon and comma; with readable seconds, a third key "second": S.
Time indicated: {"hour": 7, "minute": 11}
